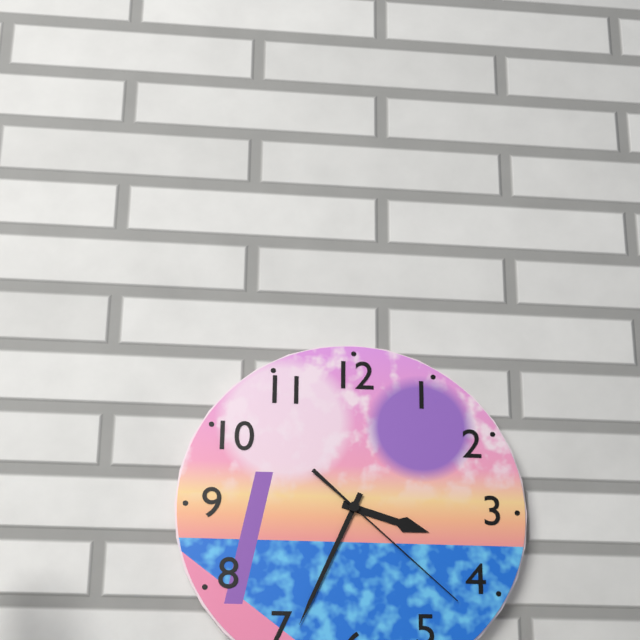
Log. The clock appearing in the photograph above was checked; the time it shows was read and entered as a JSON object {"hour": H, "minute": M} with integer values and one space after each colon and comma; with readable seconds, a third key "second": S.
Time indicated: {"hour": 3, "minute": 34, "second": 22}
